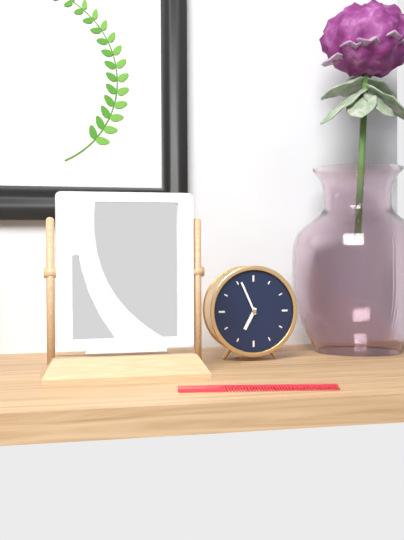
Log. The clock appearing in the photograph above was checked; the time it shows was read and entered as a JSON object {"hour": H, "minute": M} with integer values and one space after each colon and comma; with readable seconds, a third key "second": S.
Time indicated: {"hour": 6, "minute": 56}
